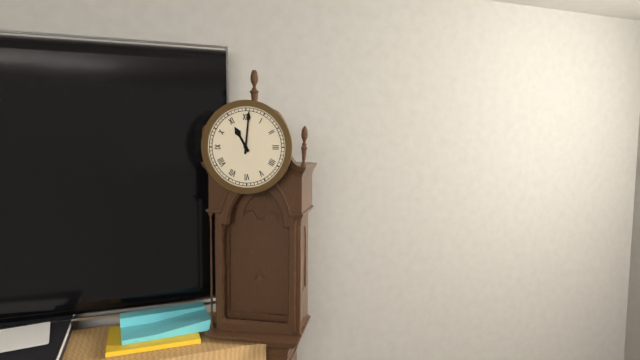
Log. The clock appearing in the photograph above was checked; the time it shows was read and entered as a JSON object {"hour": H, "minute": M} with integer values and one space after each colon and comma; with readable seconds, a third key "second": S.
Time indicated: {"hour": 11, "minute": 1}
